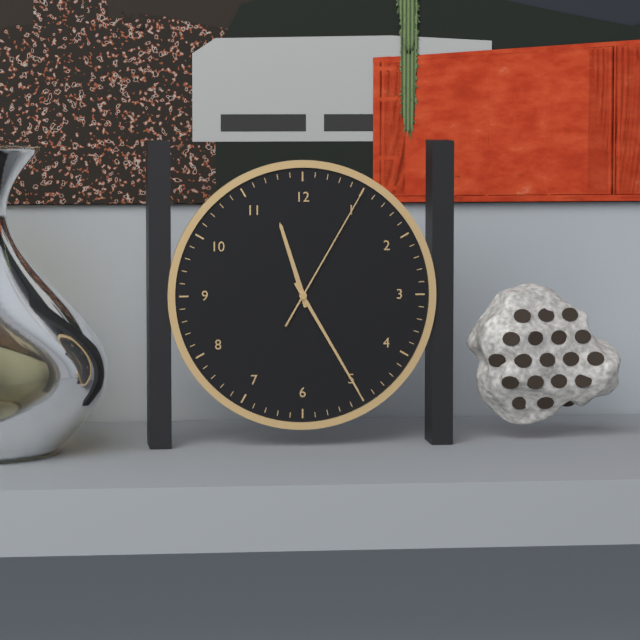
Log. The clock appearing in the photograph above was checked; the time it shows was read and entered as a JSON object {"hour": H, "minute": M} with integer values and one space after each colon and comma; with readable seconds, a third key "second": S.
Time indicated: {"hour": 11, "minute": 25, "second": 5}
